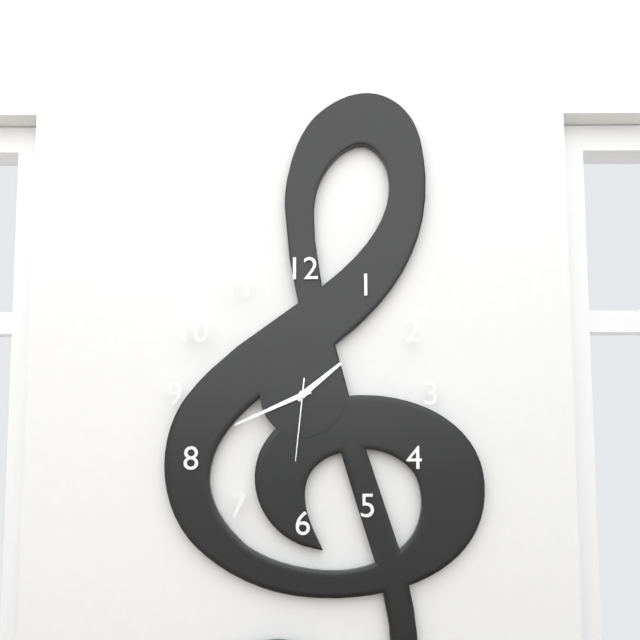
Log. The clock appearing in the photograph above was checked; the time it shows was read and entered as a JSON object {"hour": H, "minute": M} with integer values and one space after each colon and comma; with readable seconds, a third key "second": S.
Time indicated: {"hour": 1, "minute": 41, "second": 31}
